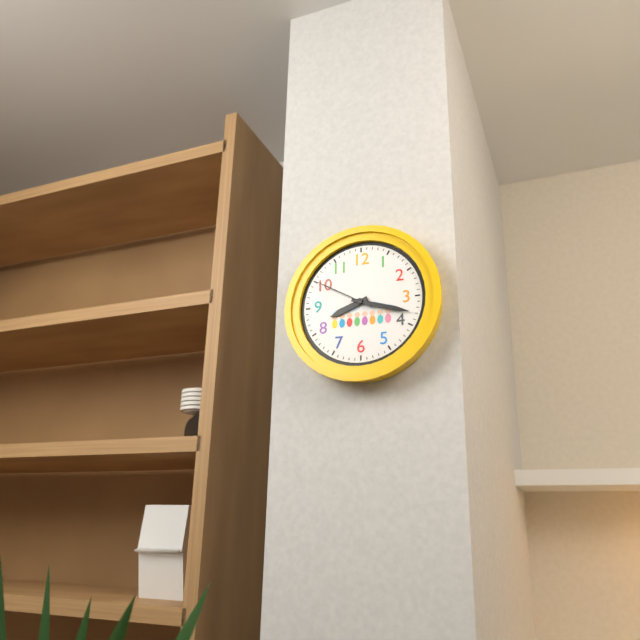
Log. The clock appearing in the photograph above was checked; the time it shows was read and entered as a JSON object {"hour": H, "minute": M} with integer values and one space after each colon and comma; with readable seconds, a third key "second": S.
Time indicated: {"hour": 8, "minute": 18, "second": 50}
